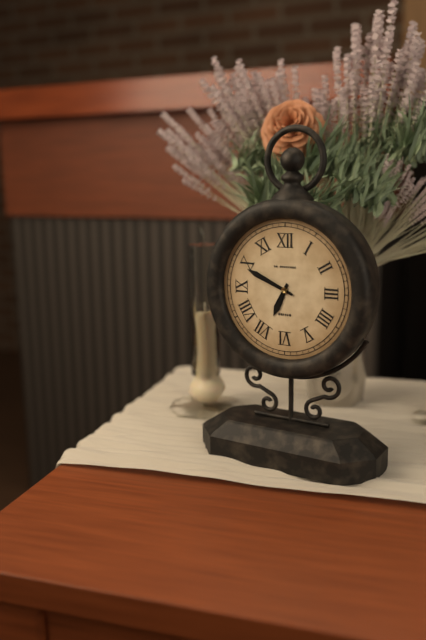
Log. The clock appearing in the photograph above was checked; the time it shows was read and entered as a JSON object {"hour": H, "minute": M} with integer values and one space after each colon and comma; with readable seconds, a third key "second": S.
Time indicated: {"hour": 6, "minute": 49}
